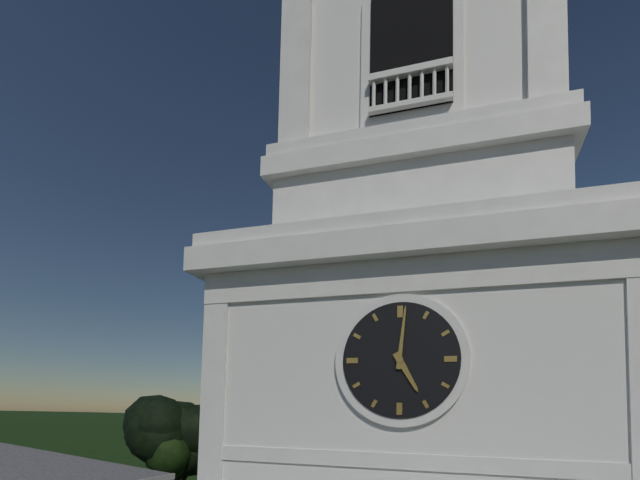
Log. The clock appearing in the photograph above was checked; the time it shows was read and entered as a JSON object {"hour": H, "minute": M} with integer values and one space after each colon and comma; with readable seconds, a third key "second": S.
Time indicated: {"hour": 5, "minute": 1}
